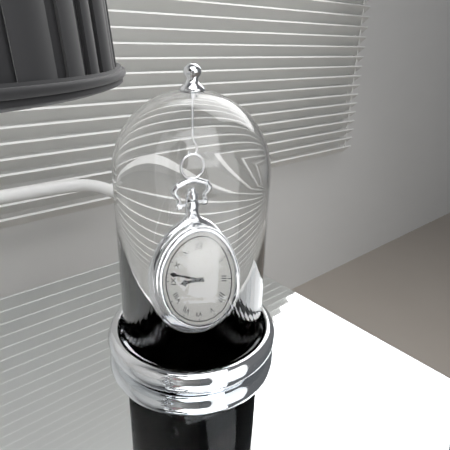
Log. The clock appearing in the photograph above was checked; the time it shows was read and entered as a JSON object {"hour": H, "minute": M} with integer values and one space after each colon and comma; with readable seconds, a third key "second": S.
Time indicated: {"hour": 8, "minute": 47}
